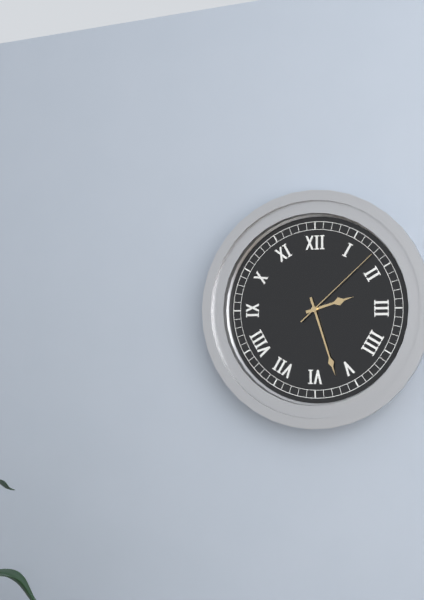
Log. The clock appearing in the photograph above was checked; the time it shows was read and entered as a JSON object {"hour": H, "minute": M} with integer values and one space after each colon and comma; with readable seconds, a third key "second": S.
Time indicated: {"hour": 2, "minute": 27, "second": 8}
